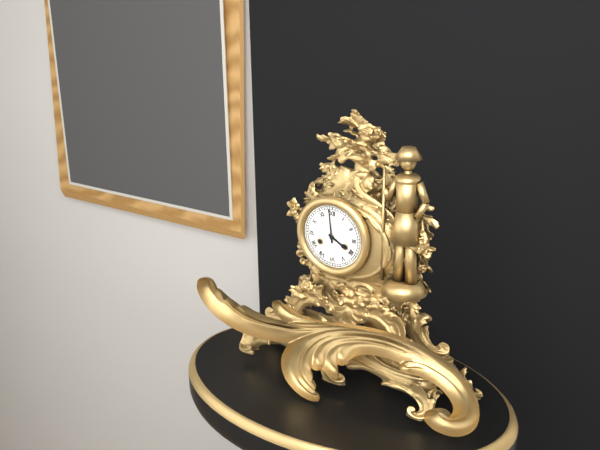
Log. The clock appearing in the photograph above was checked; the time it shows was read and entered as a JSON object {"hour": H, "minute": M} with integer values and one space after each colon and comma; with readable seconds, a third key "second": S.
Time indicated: {"hour": 3, "minute": 59}
